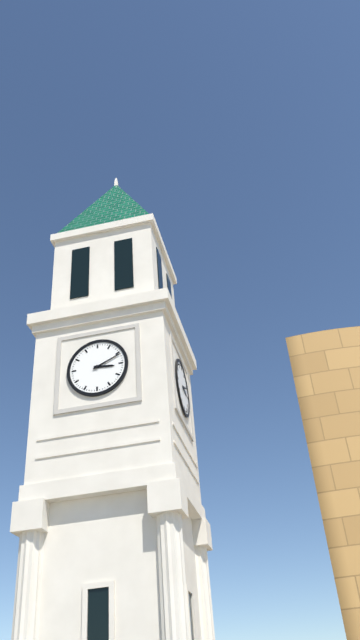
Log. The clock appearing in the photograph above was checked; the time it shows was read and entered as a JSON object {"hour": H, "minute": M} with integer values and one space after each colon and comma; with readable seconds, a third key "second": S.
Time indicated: {"hour": 3, "minute": 11}
